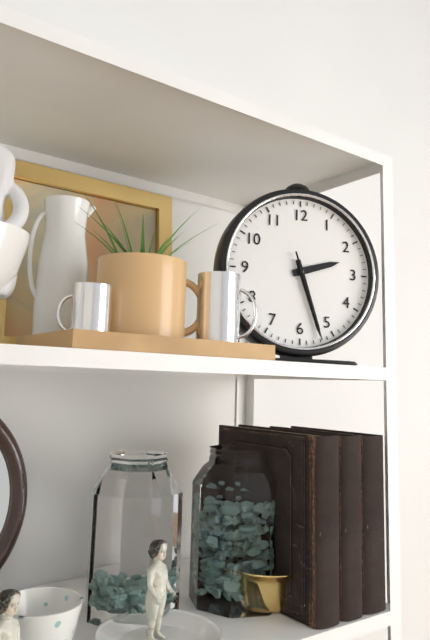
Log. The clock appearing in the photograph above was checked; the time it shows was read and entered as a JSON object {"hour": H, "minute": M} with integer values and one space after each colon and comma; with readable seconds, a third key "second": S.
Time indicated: {"hour": 2, "minute": 27, "second": 27}
